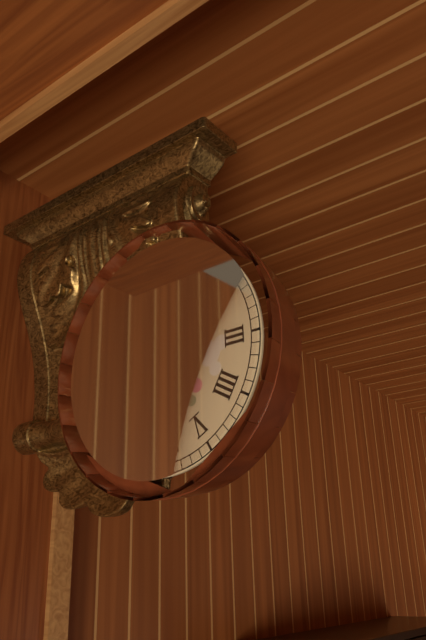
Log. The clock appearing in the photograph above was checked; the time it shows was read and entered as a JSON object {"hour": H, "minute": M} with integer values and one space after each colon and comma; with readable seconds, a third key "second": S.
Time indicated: {"hour": 7, "minute": 28}
